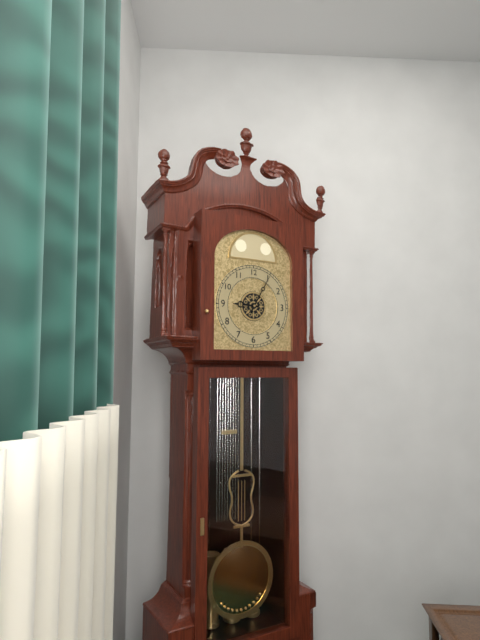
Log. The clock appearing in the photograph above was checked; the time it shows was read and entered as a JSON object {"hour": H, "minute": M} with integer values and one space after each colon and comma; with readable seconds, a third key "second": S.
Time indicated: {"hour": 9, "minute": 5}
